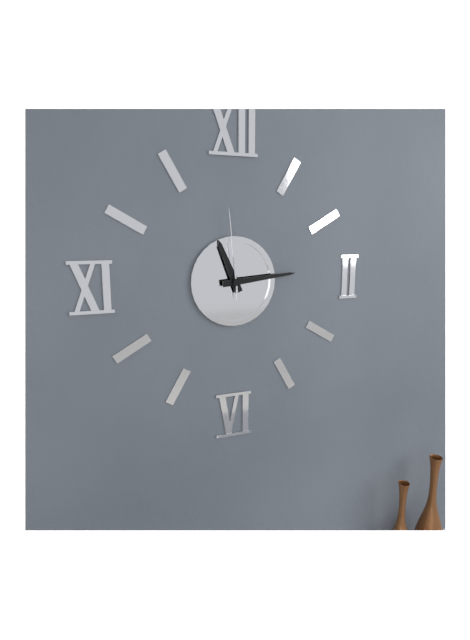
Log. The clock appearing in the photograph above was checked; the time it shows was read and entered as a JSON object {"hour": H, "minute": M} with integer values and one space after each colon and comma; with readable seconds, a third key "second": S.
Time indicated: {"hour": 11, "minute": 14, "second": 59}
